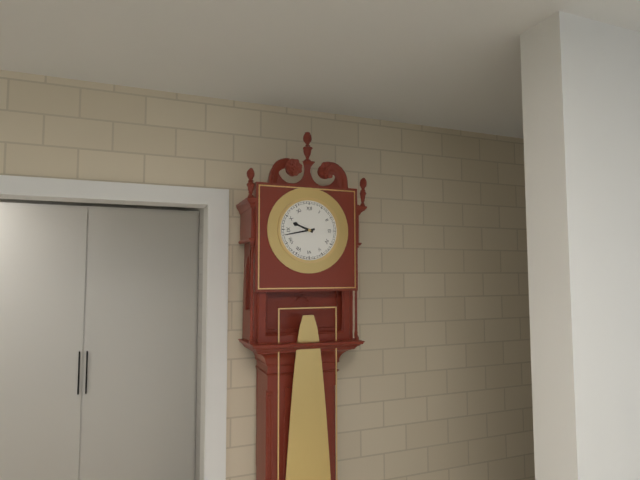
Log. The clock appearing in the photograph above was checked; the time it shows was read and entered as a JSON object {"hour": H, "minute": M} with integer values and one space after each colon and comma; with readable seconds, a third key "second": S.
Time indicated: {"hour": 9, "minute": 43}
